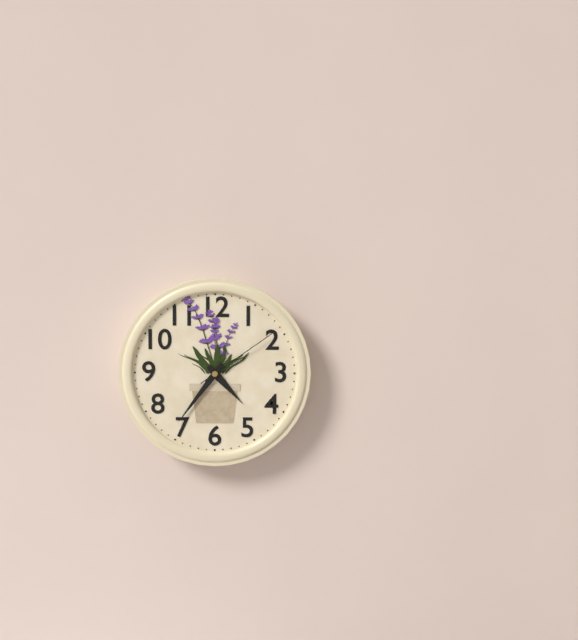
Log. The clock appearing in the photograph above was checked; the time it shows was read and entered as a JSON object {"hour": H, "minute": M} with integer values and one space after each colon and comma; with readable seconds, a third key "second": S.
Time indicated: {"hour": 4, "minute": 36, "second": 9}
